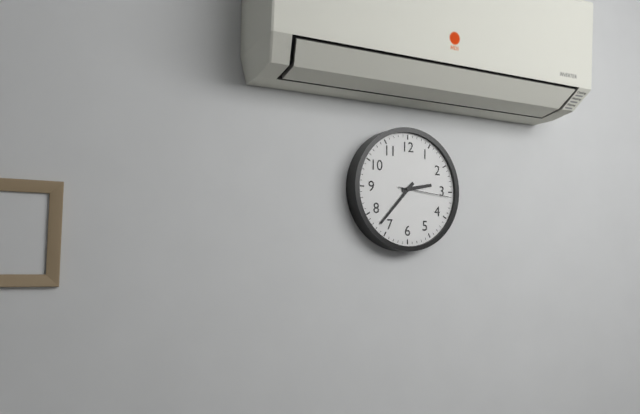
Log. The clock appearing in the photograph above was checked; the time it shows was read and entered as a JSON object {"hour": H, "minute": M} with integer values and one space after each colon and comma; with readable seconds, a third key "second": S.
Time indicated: {"hour": 2, "minute": 37, "second": 16}
